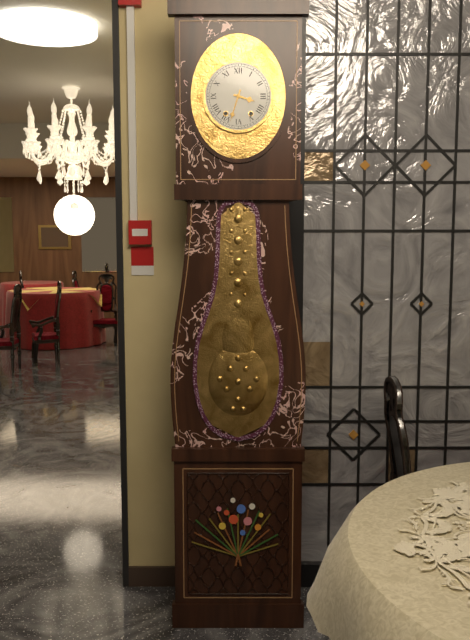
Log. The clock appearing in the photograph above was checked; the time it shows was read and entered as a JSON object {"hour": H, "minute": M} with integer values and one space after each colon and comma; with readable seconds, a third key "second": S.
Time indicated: {"hour": 3, "minute": 33}
